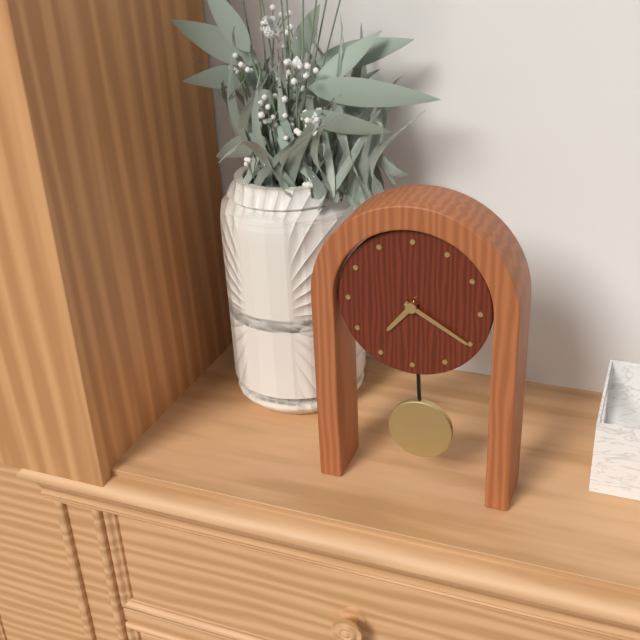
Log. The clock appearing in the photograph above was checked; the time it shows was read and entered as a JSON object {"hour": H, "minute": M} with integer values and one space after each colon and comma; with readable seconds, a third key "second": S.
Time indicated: {"hour": 7, "minute": 20}
